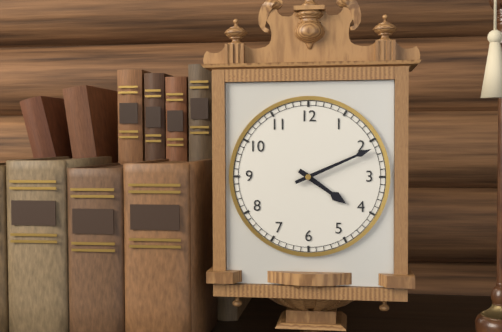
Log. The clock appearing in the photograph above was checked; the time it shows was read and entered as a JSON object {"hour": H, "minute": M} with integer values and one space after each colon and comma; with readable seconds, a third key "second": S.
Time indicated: {"hour": 4, "minute": 11}
